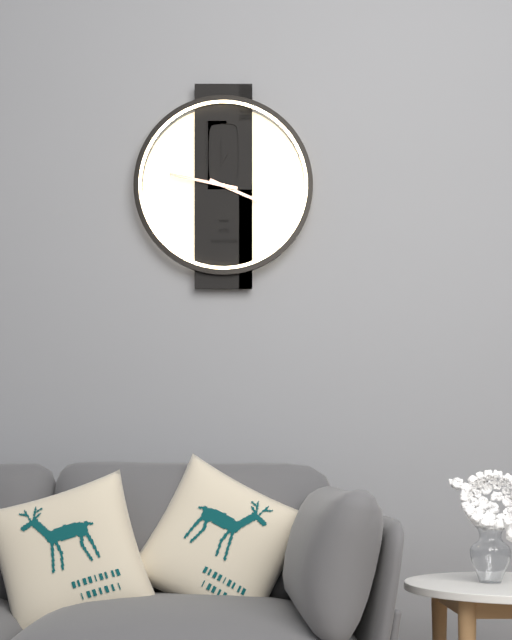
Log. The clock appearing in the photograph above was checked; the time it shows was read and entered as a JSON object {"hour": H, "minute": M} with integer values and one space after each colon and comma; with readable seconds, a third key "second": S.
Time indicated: {"hour": 3, "minute": 47}
